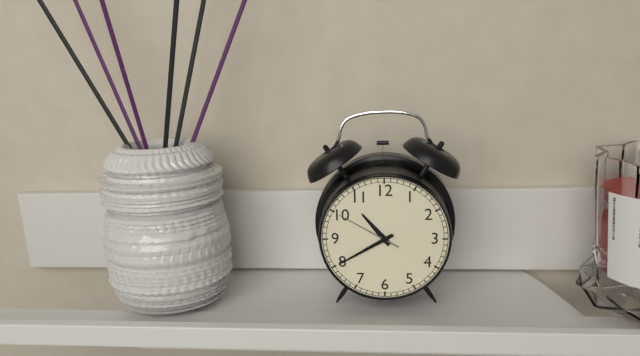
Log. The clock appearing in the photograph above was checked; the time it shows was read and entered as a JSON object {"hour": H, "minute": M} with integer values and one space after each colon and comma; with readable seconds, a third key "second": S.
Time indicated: {"hour": 10, "minute": 40, "second": 50}
